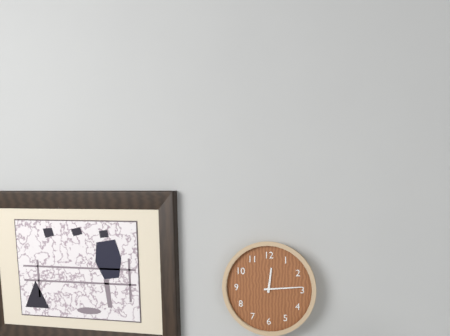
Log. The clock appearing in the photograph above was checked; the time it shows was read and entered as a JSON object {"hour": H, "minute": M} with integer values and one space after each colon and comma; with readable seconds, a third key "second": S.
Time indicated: {"hour": 12, "minute": 14}
